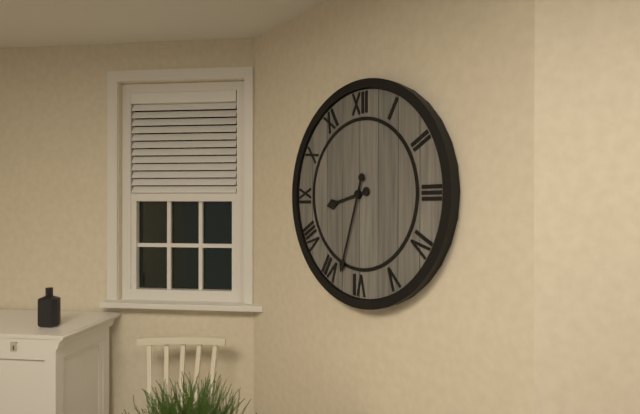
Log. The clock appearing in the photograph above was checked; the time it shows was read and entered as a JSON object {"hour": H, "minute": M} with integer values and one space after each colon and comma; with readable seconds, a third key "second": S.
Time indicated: {"hour": 8, "minute": 33}
